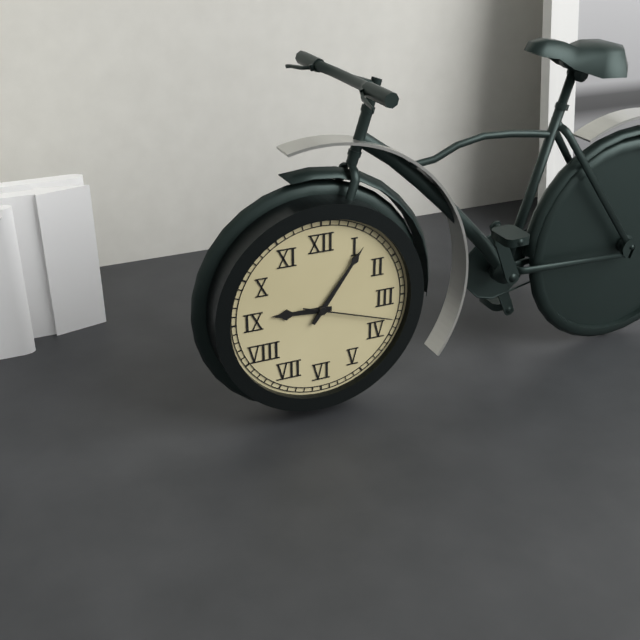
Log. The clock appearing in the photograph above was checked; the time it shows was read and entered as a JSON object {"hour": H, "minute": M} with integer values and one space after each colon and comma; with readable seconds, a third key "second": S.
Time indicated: {"hour": 9, "minute": 6, "second": 18}
